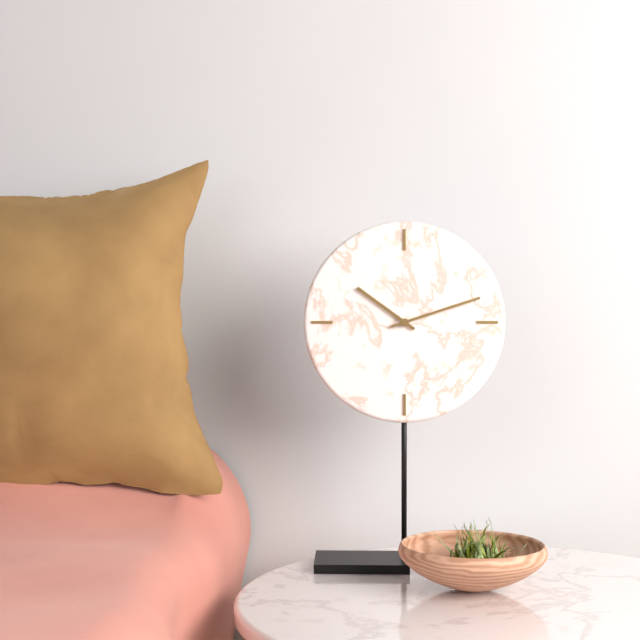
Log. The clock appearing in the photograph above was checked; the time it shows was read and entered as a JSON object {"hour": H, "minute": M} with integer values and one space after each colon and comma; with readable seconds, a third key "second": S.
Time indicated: {"hour": 10, "minute": 12}
